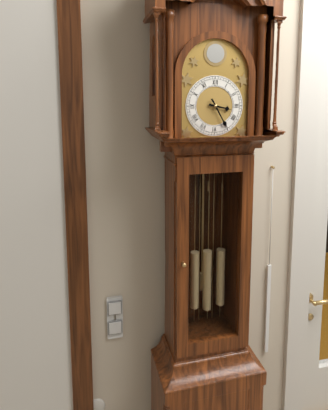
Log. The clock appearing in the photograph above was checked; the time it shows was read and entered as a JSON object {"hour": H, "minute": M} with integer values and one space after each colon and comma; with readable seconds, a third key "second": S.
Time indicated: {"hour": 3, "minute": 25}
